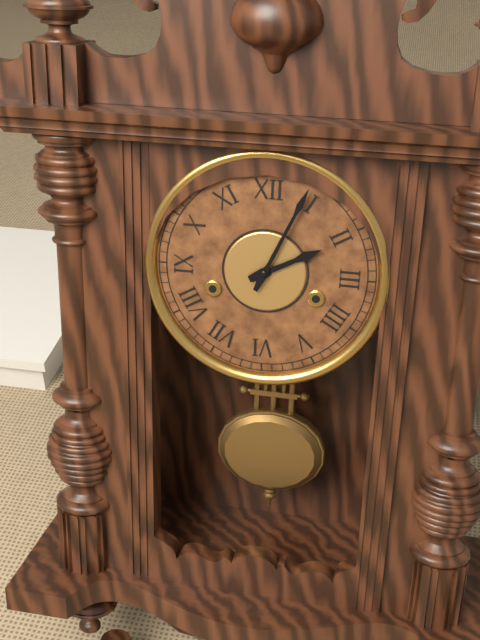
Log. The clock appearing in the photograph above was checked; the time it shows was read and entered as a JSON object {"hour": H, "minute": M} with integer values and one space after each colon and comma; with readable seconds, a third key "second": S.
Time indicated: {"hour": 2, "minute": 4}
